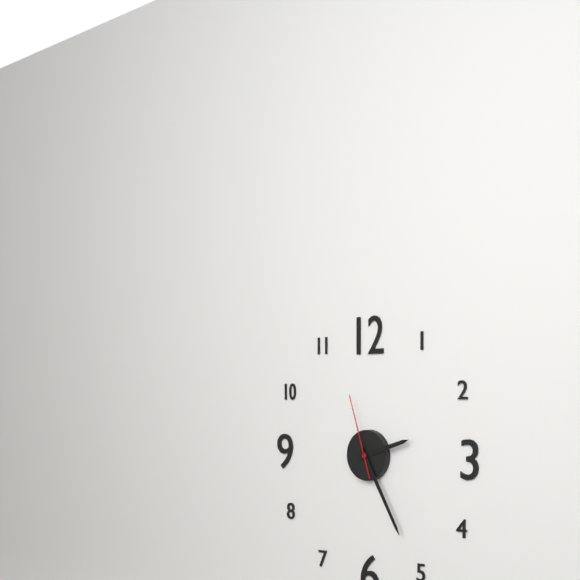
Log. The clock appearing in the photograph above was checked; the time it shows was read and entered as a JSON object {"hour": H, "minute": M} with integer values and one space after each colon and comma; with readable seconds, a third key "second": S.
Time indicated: {"hour": 2, "minute": 25, "second": 57}
